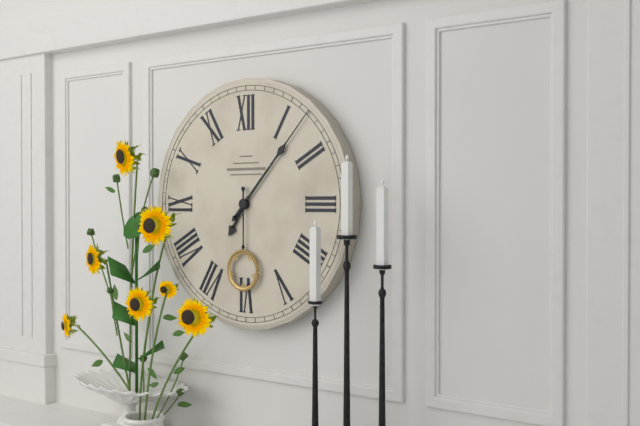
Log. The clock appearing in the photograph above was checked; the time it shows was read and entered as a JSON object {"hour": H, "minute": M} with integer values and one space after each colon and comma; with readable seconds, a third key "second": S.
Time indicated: {"hour": 7, "minute": 7, "second": 30}
